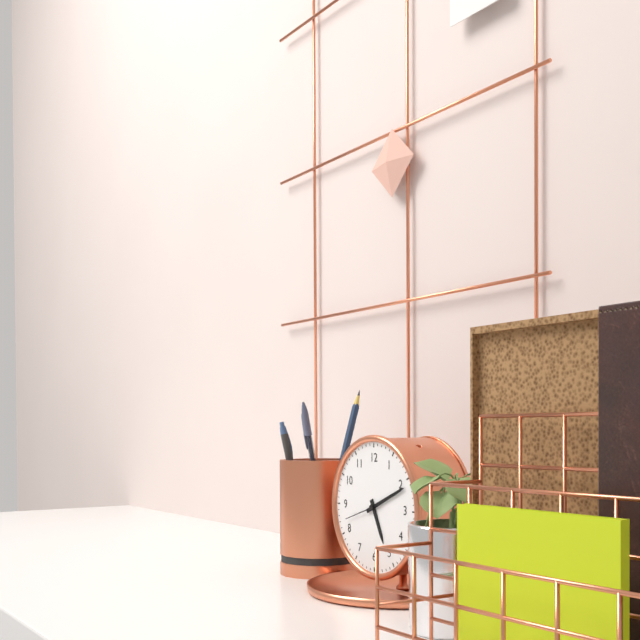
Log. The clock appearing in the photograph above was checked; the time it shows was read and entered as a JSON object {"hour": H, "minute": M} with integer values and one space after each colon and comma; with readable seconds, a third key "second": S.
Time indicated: {"hour": 5, "minute": 11}
